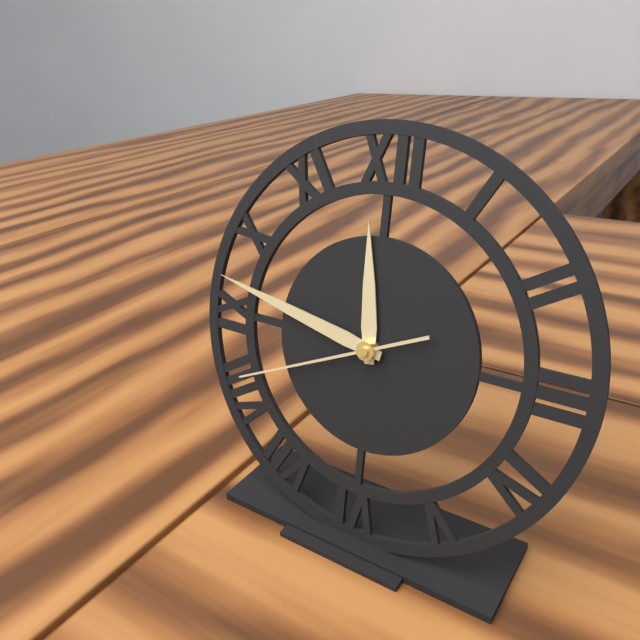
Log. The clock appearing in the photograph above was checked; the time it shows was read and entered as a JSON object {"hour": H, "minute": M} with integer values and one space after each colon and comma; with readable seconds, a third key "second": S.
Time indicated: {"hour": 11, "minute": 47, "second": 41}
